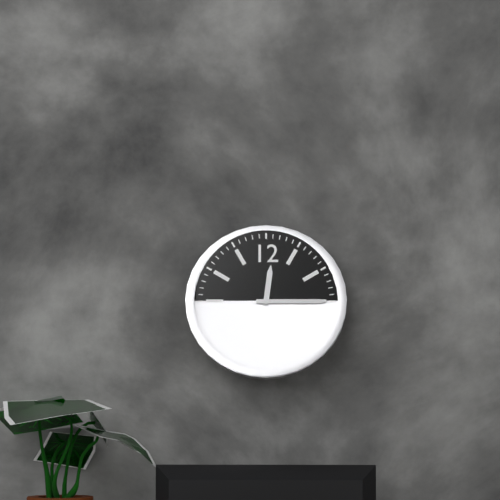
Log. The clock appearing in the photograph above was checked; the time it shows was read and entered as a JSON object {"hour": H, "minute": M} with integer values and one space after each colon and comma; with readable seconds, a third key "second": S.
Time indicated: {"hour": 12, "minute": 15}
